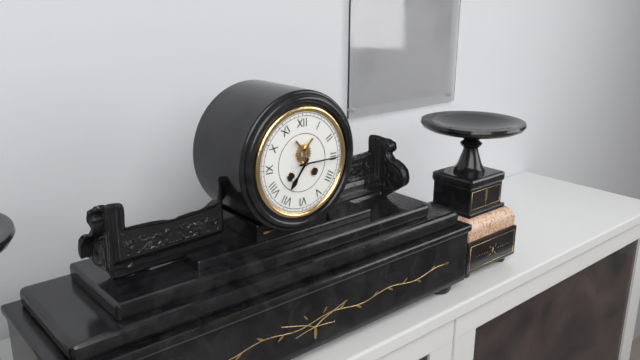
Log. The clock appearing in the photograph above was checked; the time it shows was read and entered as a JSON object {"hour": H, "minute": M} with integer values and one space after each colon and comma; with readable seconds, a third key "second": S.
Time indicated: {"hour": 7, "minute": 15}
